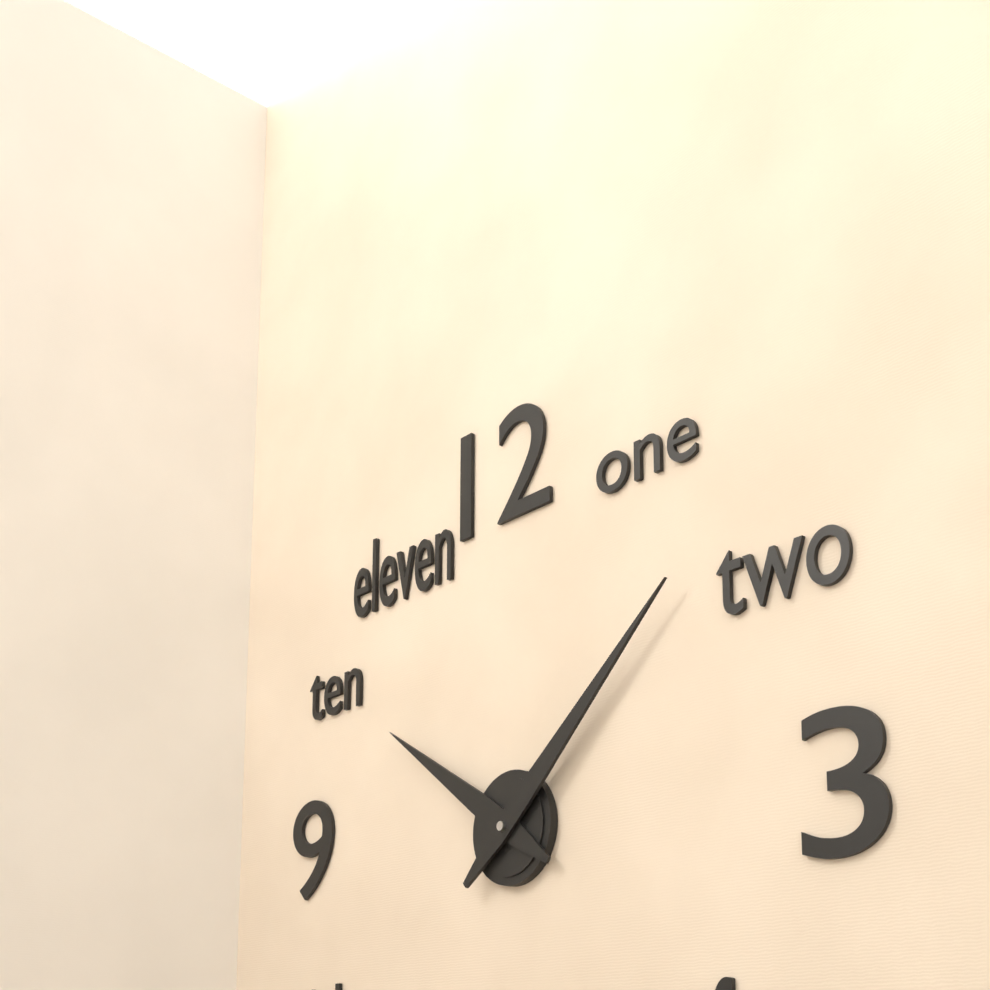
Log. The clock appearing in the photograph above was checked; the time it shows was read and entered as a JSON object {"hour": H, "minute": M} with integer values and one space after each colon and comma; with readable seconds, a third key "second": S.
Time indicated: {"hour": 10, "minute": 8}
